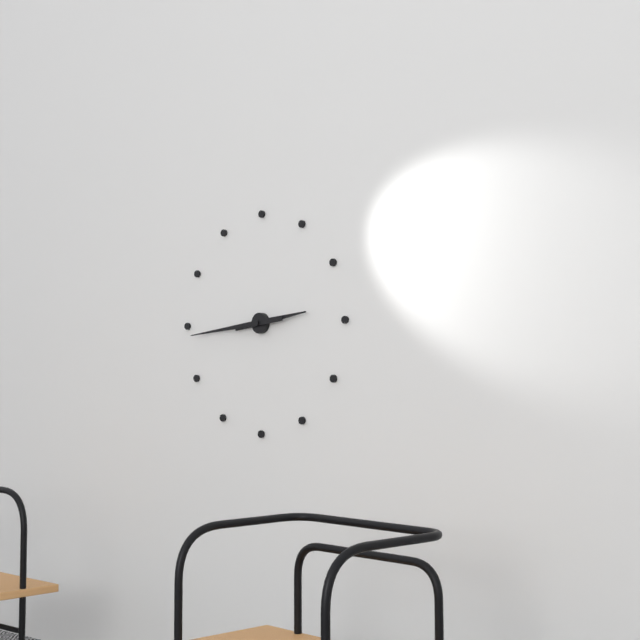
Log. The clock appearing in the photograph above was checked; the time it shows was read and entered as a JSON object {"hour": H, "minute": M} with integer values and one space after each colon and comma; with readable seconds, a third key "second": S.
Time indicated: {"hour": 2, "minute": 44}
